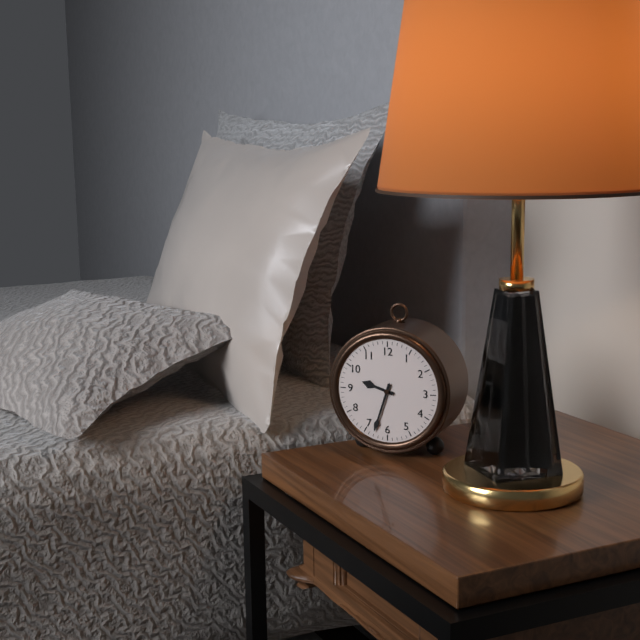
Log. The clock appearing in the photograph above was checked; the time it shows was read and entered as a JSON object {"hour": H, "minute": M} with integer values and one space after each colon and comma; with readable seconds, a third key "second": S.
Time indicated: {"hour": 9, "minute": 33}
